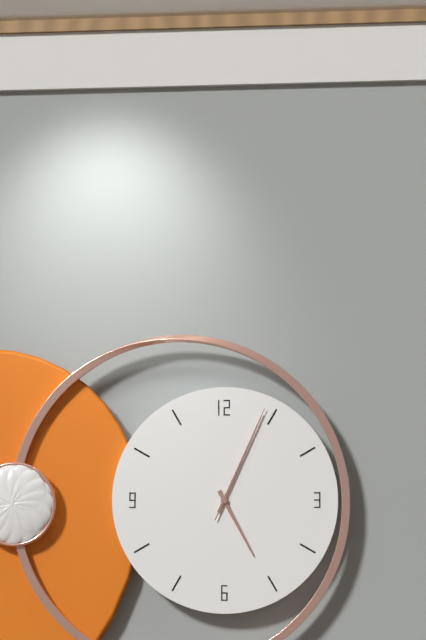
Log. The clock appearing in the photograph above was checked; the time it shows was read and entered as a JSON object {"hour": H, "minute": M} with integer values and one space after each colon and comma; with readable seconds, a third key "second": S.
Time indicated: {"hour": 5, "minute": 4, "second": 4}
